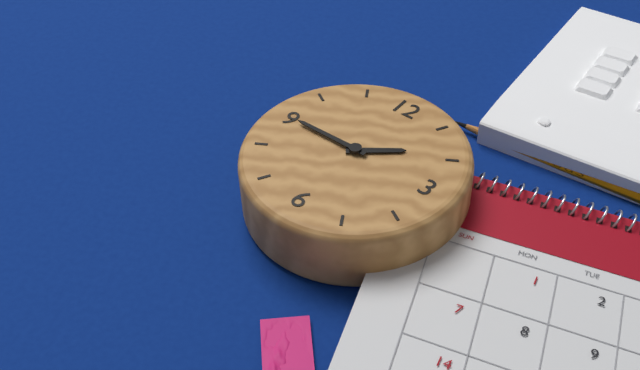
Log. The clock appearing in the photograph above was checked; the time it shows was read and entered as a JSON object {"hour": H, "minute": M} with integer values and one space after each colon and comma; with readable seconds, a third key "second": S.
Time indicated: {"hour": 1, "minute": 45}
